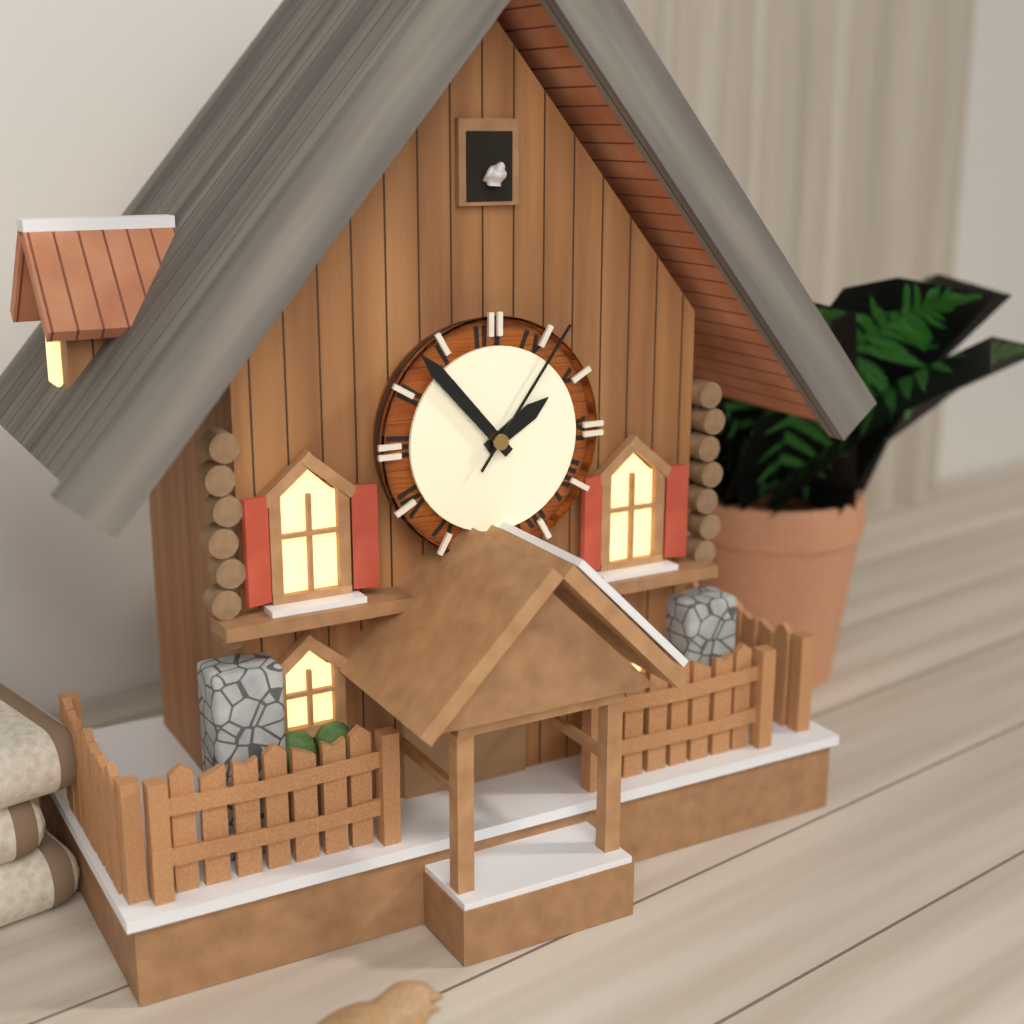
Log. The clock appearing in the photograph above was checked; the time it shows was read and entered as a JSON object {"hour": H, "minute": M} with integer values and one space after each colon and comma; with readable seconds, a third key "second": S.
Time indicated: {"hour": 1, "minute": 53, "second": 6}
